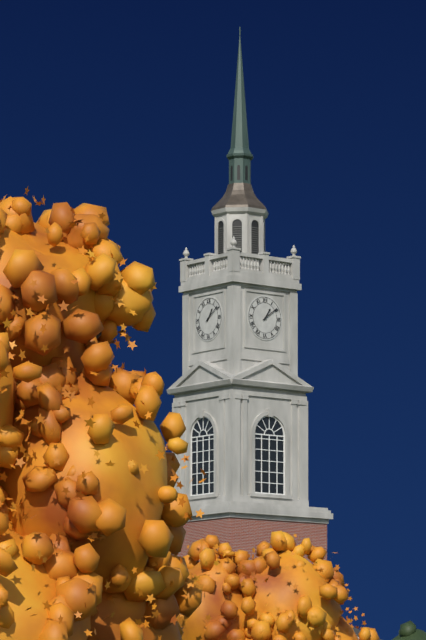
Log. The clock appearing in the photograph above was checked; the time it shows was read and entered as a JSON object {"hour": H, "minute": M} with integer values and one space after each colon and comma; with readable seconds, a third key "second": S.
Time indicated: {"hour": 1, "minute": 9}
